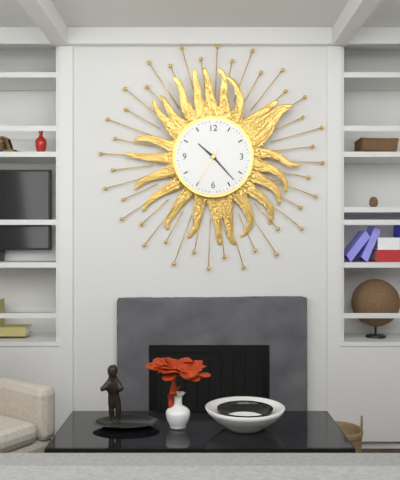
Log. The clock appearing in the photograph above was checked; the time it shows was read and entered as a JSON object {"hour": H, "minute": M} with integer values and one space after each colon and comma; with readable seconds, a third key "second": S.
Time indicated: {"hour": 10, "minute": 23}
